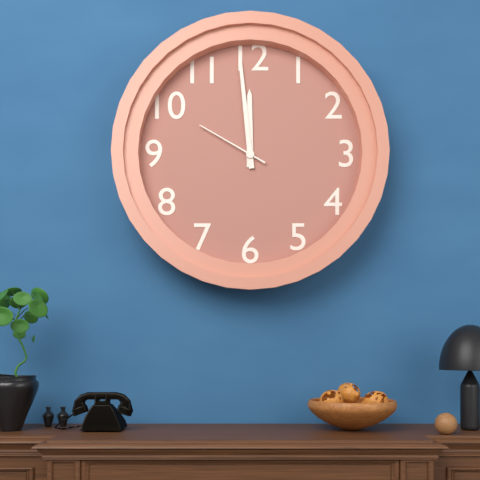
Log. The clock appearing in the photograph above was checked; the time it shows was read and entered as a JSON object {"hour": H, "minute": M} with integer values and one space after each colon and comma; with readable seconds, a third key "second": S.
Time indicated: {"hour": 11, "minute": 59, "second": 50}
